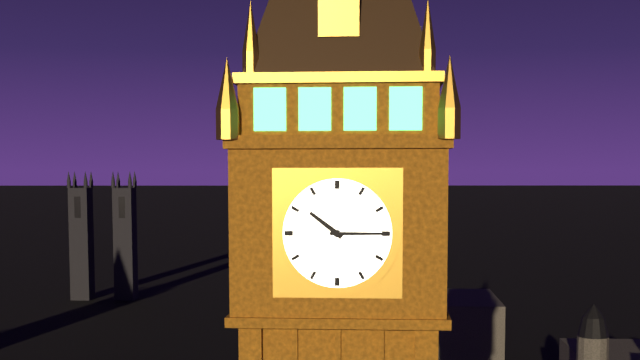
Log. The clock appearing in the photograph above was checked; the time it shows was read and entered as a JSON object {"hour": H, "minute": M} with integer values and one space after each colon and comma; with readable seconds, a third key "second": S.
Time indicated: {"hour": 10, "minute": 15}
